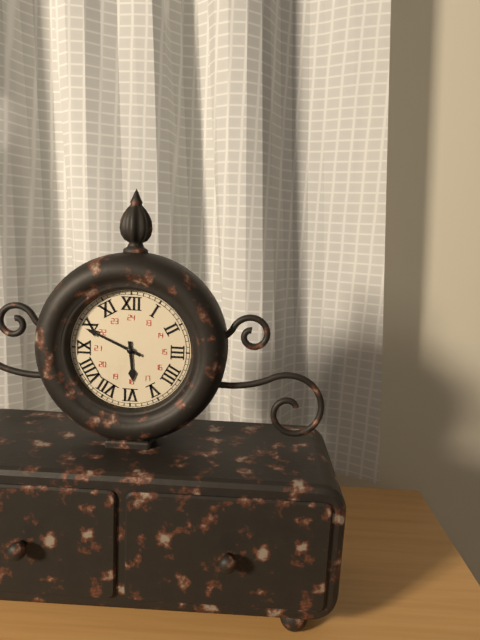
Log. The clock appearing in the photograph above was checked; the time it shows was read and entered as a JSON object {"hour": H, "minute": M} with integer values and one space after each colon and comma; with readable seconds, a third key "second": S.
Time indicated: {"hour": 5, "minute": 49}
